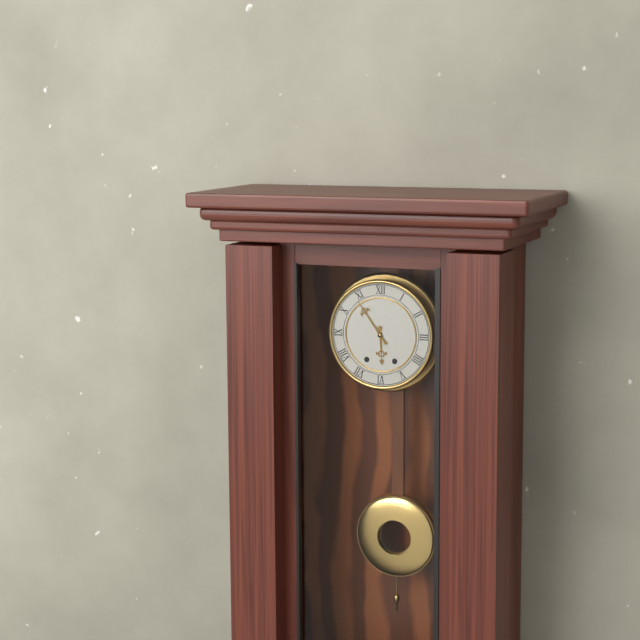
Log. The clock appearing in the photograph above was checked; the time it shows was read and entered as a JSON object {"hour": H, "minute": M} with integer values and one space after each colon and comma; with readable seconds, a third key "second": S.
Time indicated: {"hour": 5, "minute": 54}
